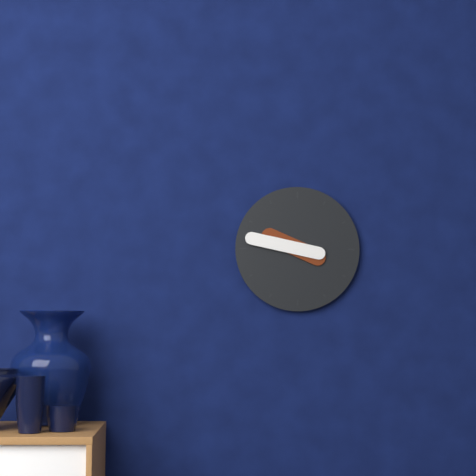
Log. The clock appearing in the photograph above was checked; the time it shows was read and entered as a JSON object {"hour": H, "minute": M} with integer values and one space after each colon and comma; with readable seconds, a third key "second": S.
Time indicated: {"hour": 9, "minute": 47}
